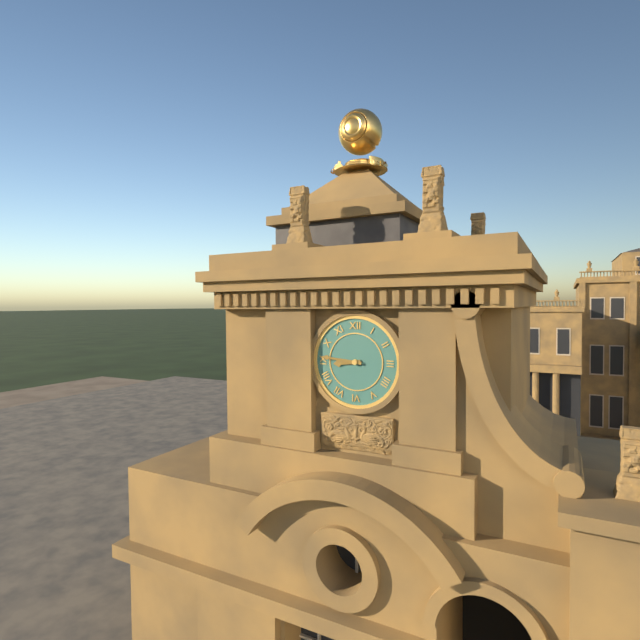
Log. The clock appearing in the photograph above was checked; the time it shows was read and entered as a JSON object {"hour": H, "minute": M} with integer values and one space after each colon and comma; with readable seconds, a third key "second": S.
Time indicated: {"hour": 8, "minute": 46}
